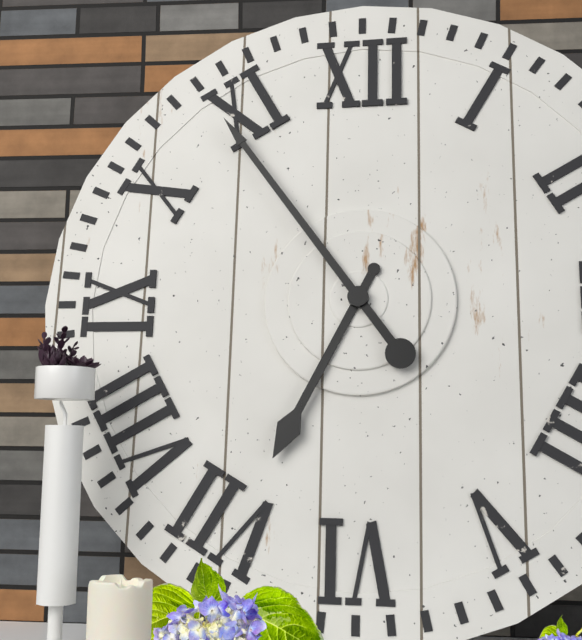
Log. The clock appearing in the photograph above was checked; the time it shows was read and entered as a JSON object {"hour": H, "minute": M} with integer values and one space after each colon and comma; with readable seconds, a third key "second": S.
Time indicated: {"hour": 6, "minute": 54}
